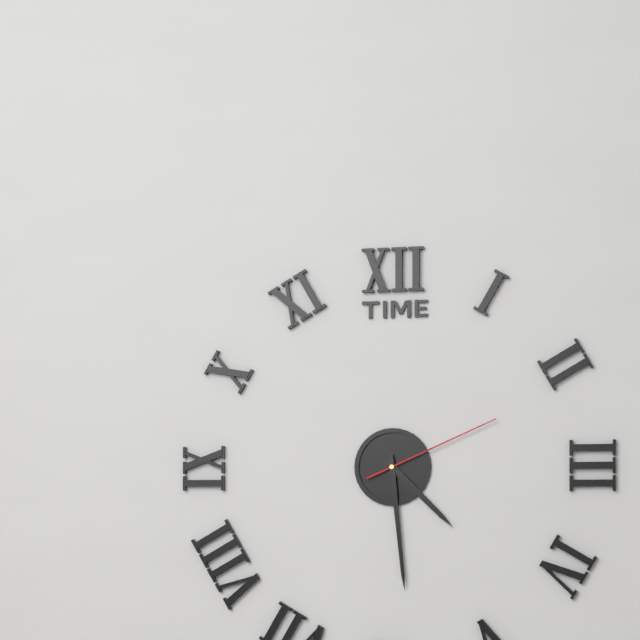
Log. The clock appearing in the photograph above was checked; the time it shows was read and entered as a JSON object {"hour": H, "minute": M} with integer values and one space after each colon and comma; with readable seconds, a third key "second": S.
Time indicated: {"hour": 4, "minute": 29, "second": 11}
